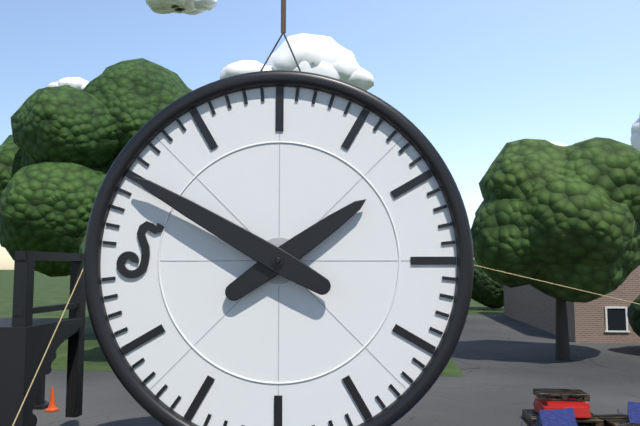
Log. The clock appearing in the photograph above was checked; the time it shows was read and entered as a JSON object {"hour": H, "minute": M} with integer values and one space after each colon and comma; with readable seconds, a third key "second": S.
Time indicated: {"hour": 1, "minute": 50}
